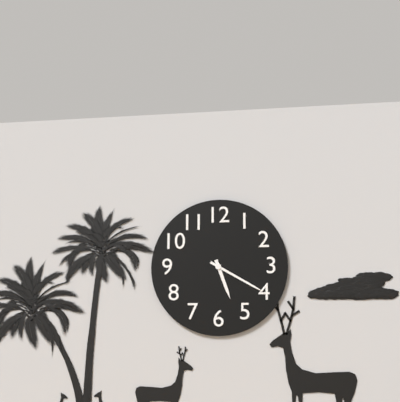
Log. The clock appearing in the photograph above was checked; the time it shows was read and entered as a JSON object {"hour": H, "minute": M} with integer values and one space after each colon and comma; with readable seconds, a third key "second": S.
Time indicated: {"hour": 5, "minute": 20}
